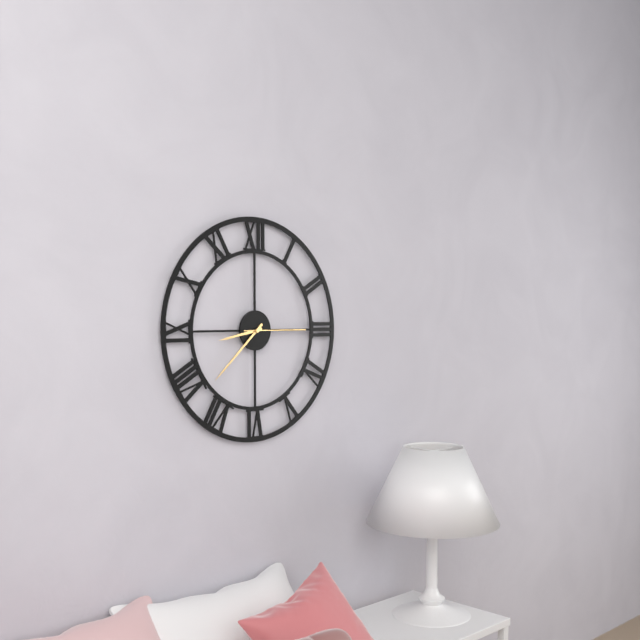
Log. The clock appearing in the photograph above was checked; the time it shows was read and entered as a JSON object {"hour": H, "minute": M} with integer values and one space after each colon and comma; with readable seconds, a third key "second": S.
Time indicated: {"hour": 8, "minute": 38, "second": 15}
